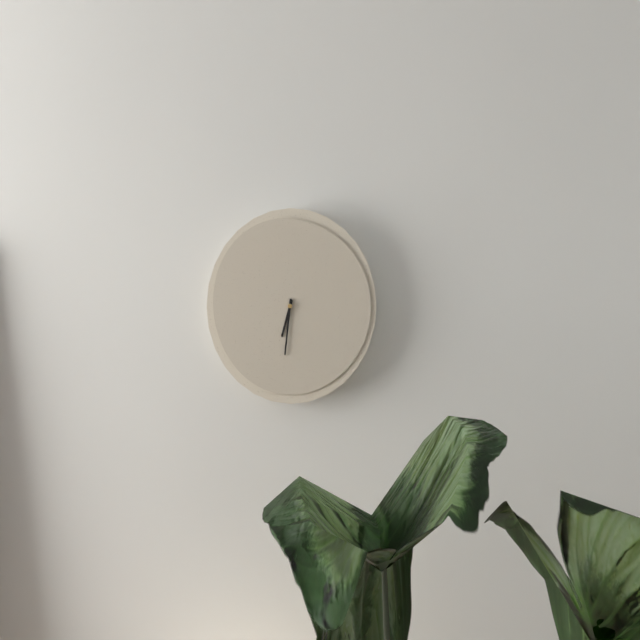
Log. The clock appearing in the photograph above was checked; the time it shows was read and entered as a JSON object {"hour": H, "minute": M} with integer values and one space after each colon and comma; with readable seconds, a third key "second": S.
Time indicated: {"hour": 6, "minute": 31}
